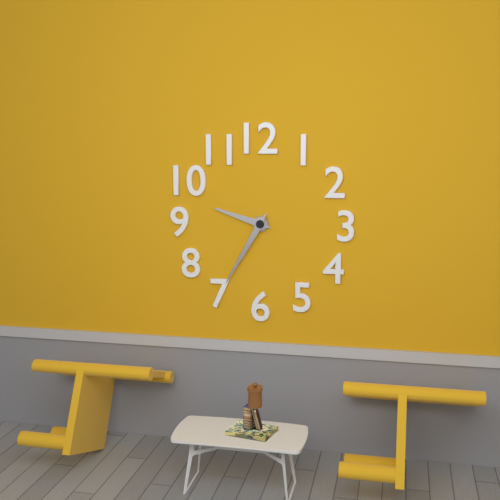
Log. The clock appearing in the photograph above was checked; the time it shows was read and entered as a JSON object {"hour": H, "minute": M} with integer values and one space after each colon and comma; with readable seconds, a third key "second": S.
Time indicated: {"hour": 9, "minute": 35}
